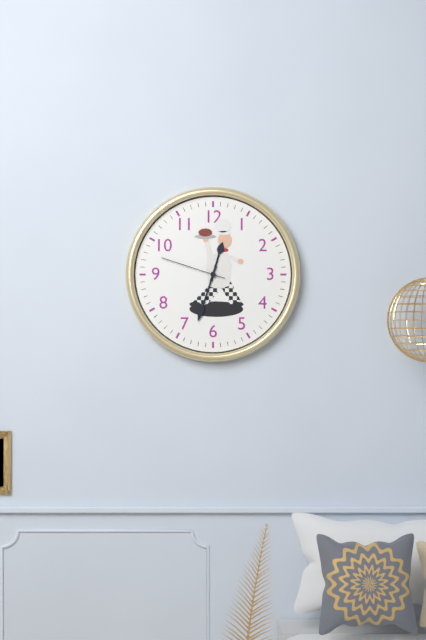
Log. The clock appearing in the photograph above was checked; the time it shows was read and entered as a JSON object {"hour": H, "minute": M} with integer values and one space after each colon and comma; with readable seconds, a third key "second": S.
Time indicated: {"hour": 12, "minute": 33, "second": 48}
